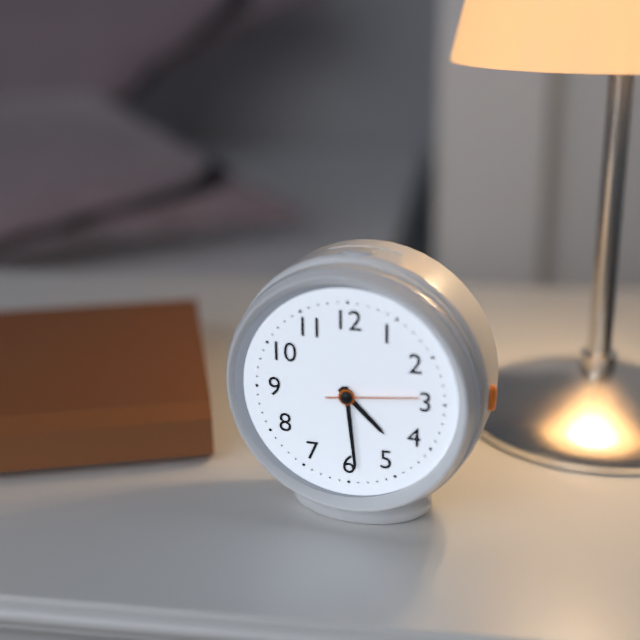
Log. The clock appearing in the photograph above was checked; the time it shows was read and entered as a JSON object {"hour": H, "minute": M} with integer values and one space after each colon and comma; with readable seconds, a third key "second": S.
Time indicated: {"hour": 4, "minute": 29, "second": 14}
